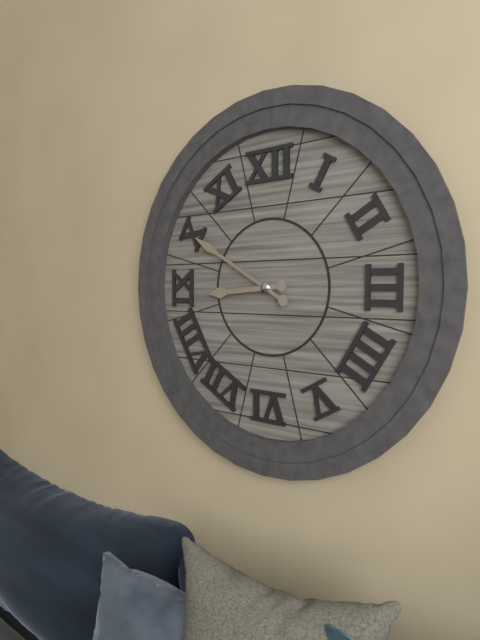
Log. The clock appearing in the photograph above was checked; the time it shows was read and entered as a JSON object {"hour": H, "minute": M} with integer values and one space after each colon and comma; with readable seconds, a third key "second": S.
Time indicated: {"hour": 8, "minute": 50}
